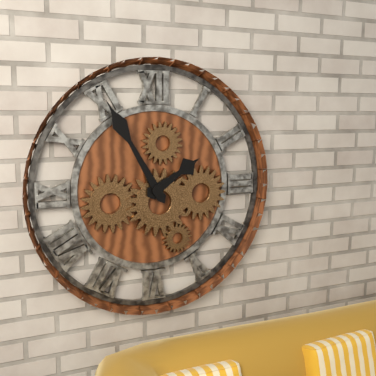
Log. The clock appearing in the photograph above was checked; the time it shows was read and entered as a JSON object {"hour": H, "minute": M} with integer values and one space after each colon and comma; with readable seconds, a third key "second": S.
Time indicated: {"hour": 1, "minute": 55}
